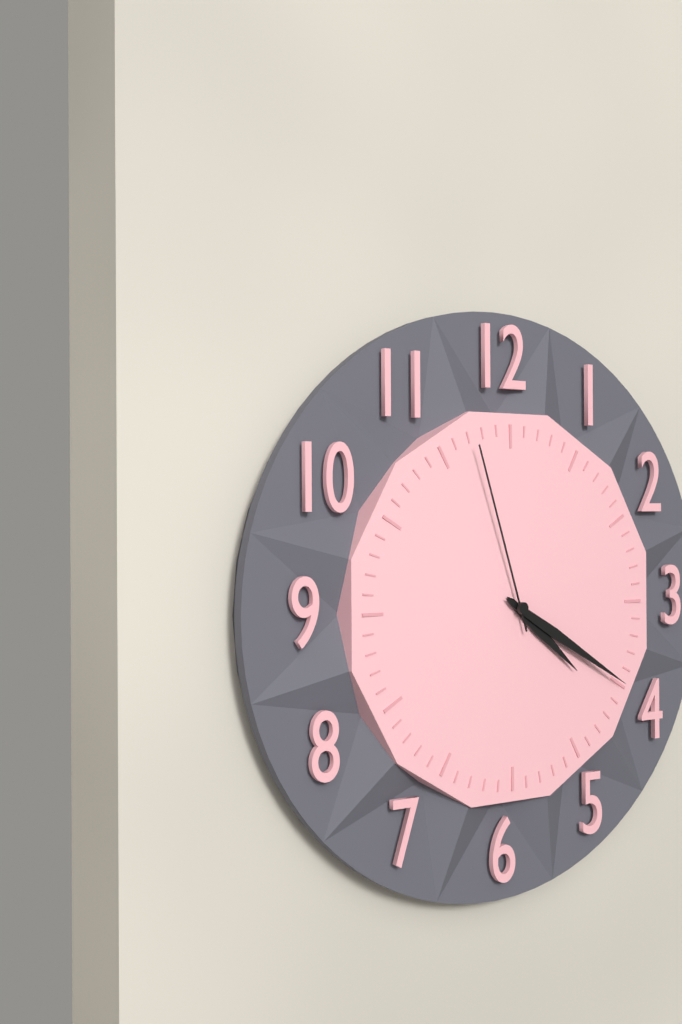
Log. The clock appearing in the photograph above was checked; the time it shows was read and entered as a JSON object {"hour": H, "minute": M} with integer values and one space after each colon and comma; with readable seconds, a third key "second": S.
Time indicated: {"hour": 4, "minute": 20, "second": 57}
